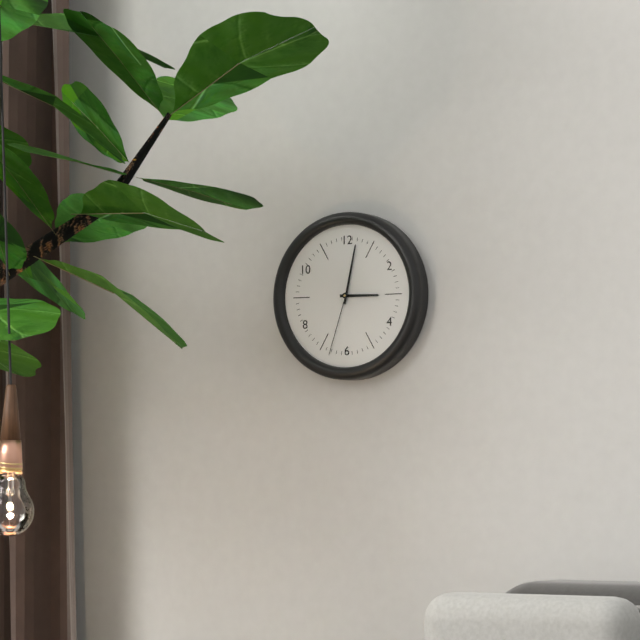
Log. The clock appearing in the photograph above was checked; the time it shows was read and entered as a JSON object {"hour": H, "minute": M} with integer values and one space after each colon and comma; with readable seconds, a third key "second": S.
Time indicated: {"hour": 3, "minute": 2, "second": 33}
